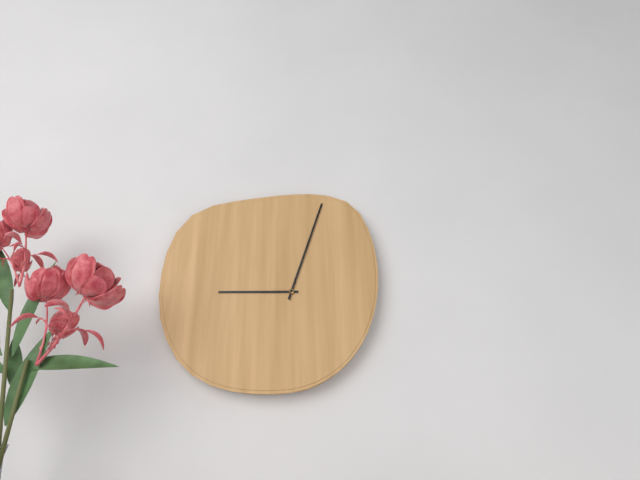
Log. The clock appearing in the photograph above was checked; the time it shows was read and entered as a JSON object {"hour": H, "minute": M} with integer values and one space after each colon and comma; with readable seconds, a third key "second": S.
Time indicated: {"hour": 9, "minute": 3}
